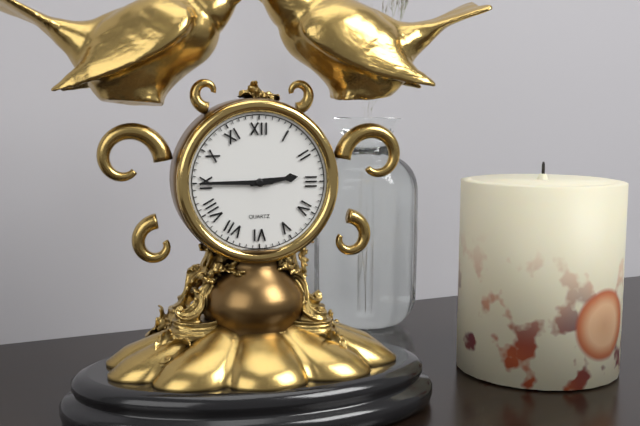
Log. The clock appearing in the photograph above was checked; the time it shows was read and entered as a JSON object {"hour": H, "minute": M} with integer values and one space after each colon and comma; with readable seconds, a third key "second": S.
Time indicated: {"hour": 2, "minute": 45}
